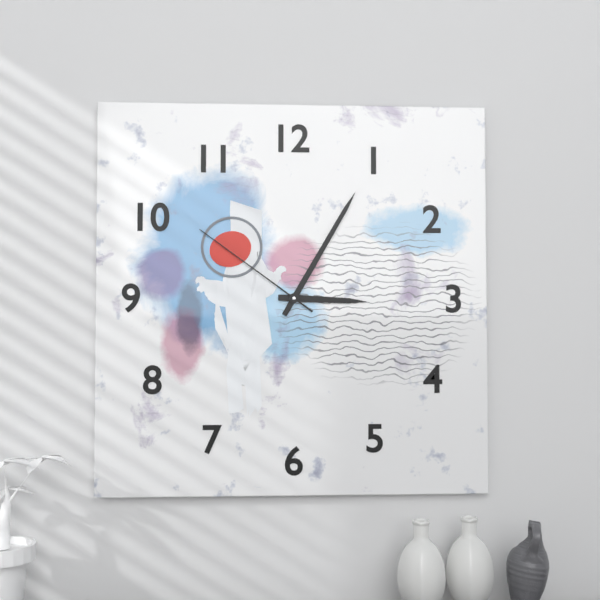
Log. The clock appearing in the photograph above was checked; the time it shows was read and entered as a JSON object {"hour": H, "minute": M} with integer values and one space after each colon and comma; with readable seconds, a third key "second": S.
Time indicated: {"hour": 3, "minute": 5, "second": 51}
